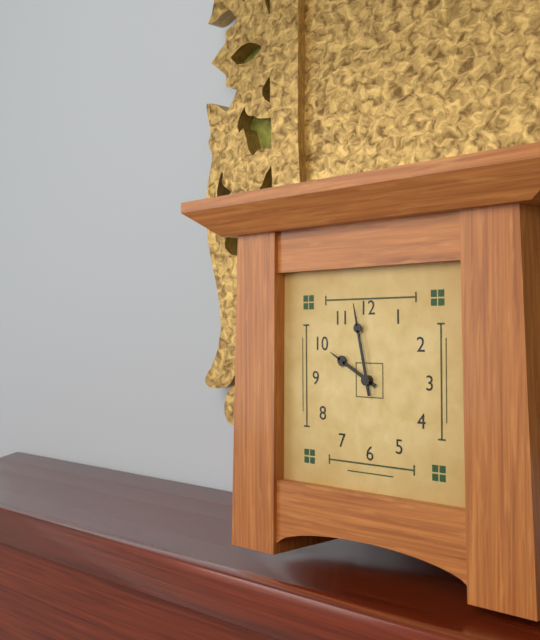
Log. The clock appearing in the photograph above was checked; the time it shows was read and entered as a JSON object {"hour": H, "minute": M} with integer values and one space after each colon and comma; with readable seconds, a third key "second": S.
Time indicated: {"hour": 9, "minute": 58}
